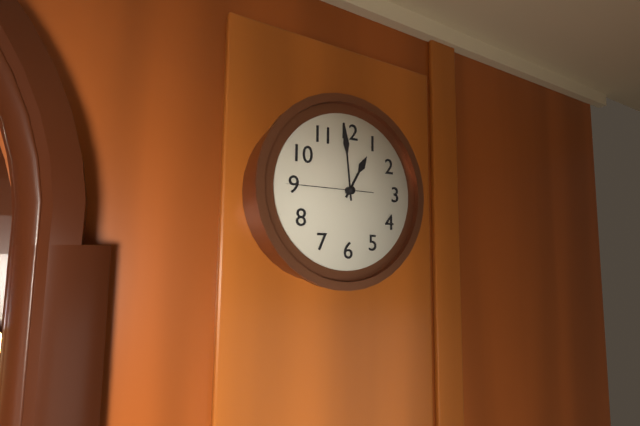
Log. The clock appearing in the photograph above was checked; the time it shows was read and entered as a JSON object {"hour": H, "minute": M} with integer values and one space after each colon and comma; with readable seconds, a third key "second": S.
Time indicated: {"hour": 12, "minute": 59, "second": 45}
